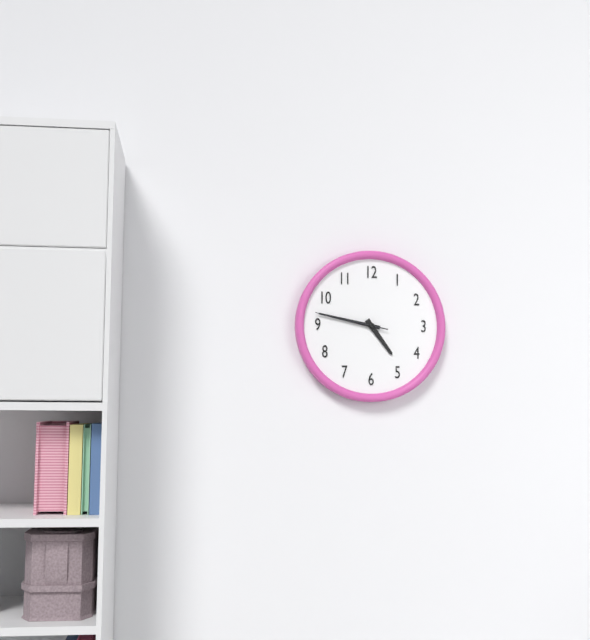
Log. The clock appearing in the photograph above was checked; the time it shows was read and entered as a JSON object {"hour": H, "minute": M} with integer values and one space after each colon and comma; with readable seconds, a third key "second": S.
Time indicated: {"hour": 4, "minute": 47, "second": 47}
